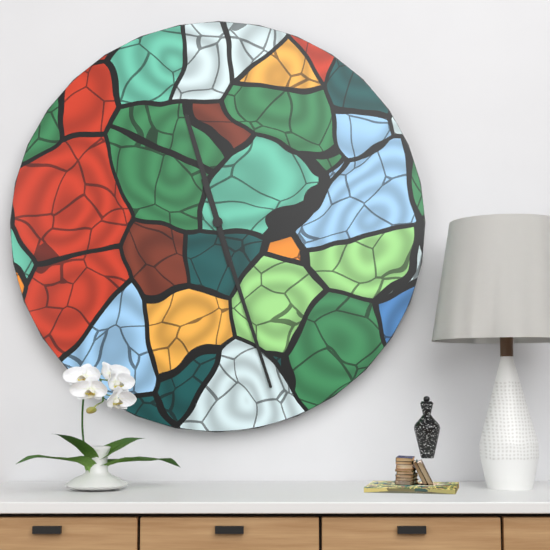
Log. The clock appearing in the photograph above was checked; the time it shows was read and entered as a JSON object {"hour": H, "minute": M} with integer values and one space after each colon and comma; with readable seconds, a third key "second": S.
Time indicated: {"hour": 11, "minute": 27}
